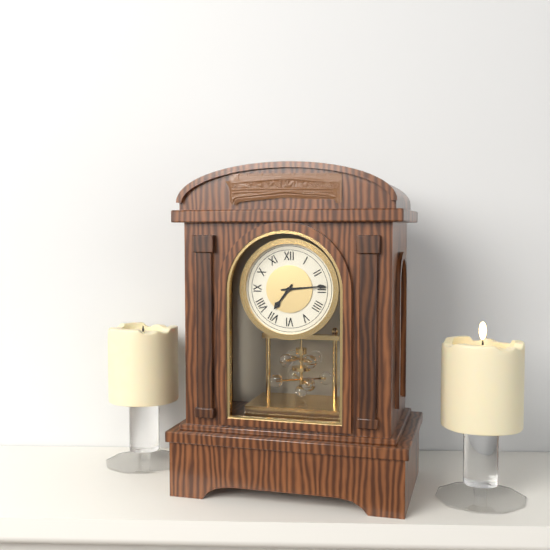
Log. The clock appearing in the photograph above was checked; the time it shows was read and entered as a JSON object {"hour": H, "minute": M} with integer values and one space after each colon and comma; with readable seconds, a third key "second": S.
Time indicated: {"hour": 7, "minute": 14}
